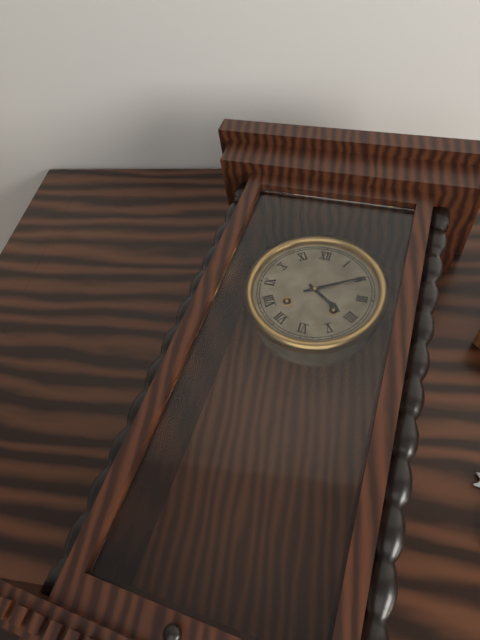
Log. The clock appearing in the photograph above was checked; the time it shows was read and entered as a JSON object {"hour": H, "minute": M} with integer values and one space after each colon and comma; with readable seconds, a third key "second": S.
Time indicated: {"hour": 4, "minute": 10}
